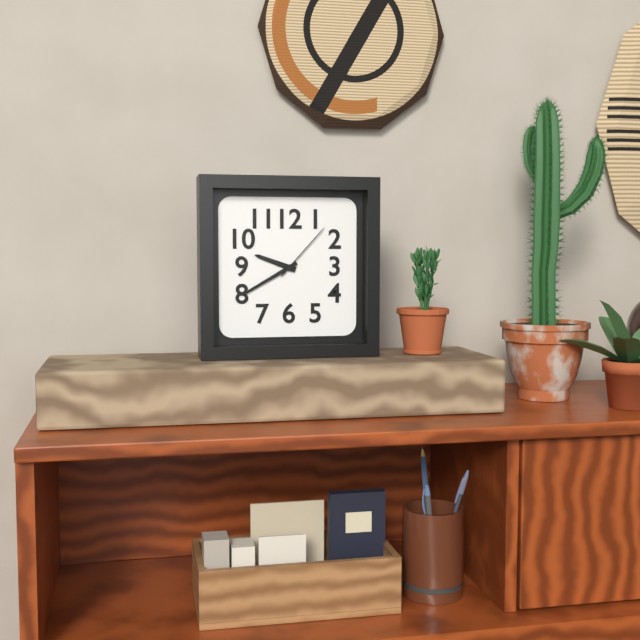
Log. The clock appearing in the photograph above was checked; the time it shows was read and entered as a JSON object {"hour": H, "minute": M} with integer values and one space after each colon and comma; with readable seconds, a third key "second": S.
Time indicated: {"hour": 9, "minute": 40, "second": 7}
